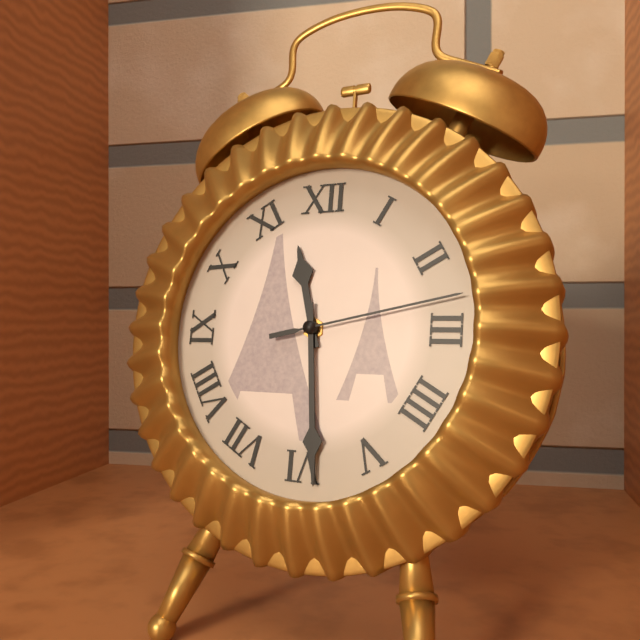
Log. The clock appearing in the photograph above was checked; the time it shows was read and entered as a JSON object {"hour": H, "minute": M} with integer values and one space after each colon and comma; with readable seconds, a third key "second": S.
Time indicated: {"hour": 11, "minute": 29, "second": 13}
